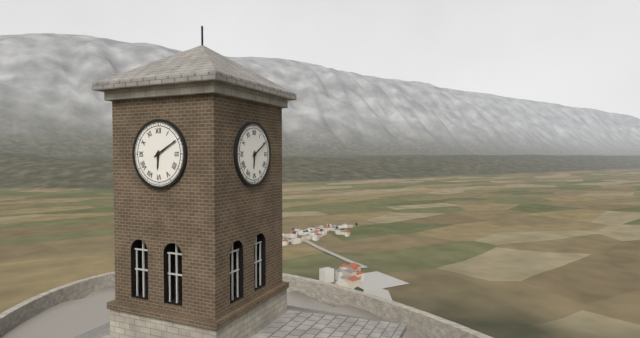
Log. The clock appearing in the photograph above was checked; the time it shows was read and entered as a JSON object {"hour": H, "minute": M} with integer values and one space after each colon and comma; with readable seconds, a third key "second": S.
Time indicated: {"hour": 6, "minute": 10}
